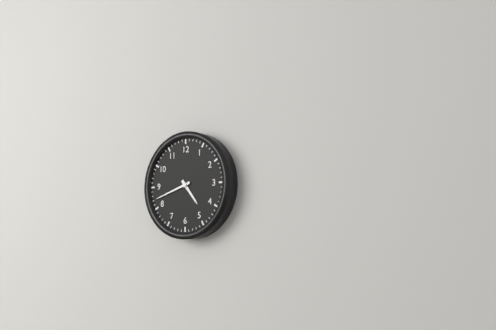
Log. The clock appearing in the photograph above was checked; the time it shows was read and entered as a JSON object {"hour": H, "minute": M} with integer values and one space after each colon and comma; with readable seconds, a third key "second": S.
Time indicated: {"hour": 4, "minute": 42}
